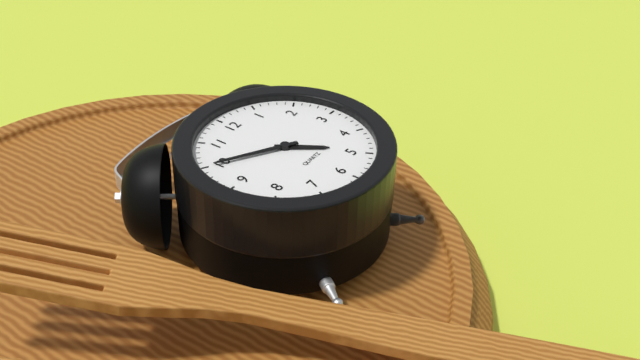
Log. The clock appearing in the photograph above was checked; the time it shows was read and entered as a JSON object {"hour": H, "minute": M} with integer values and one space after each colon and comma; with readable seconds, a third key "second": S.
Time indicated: {"hour": 4, "minute": 50}
